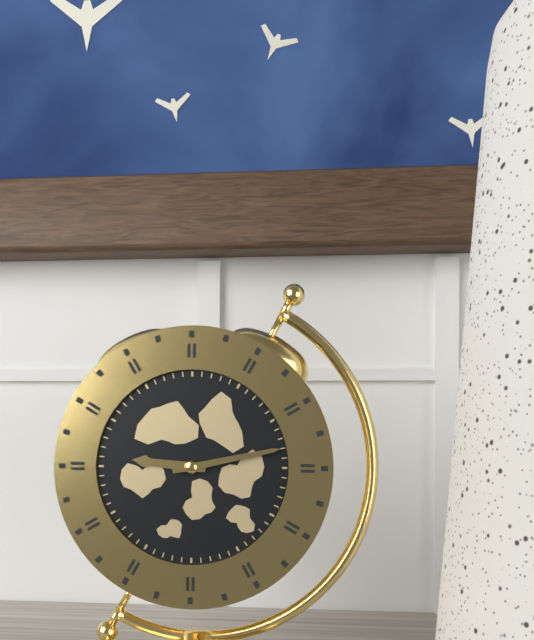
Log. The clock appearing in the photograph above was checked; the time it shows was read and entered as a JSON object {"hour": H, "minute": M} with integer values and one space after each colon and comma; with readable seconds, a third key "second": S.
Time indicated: {"hour": 9, "minute": 13}
